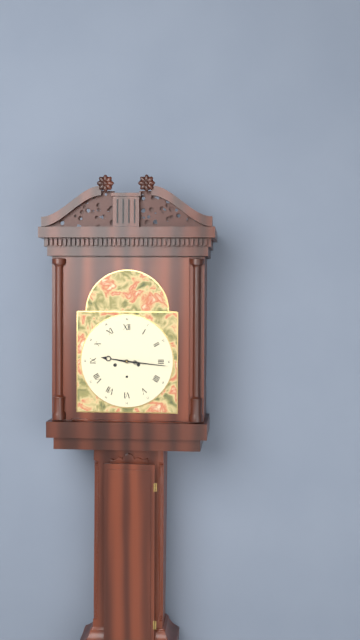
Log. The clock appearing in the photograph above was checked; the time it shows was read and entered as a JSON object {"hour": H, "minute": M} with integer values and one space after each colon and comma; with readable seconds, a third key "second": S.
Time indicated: {"hour": 9, "minute": 16}
